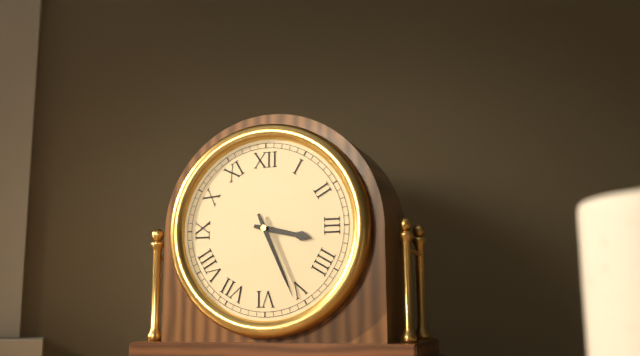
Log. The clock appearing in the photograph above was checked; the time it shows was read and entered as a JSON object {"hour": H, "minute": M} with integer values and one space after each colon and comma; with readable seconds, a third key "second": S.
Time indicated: {"hour": 3, "minute": 26}
